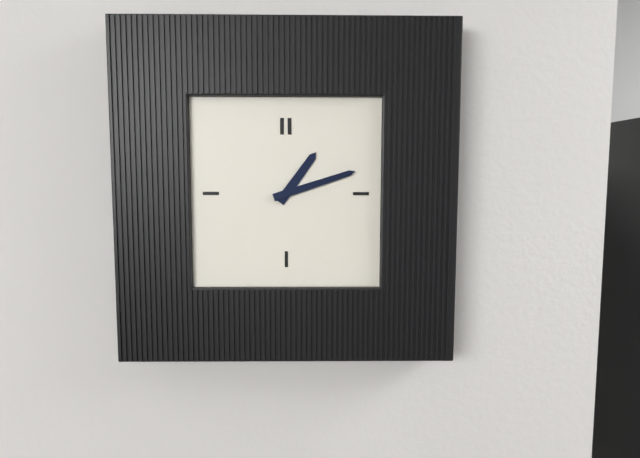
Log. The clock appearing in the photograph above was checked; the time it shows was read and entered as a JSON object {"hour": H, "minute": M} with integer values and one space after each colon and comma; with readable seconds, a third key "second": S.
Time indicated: {"hour": 1, "minute": 12}
